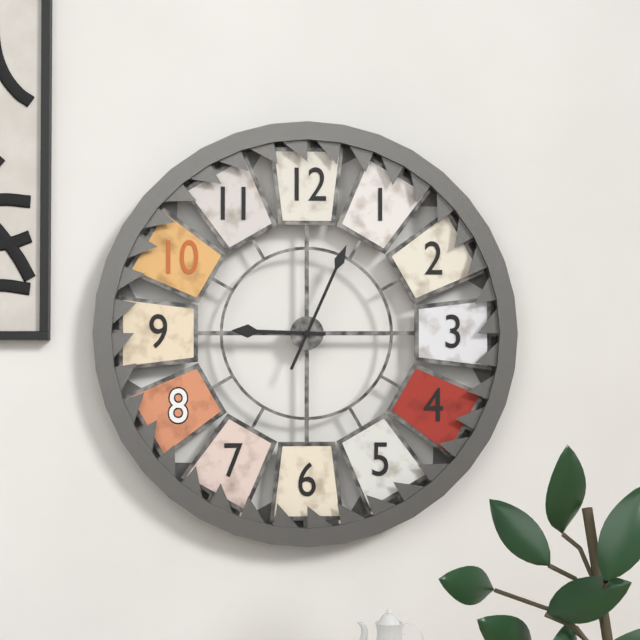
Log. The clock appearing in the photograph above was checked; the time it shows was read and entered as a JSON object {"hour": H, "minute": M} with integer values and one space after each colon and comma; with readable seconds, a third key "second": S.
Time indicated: {"hour": 9, "minute": 4}
